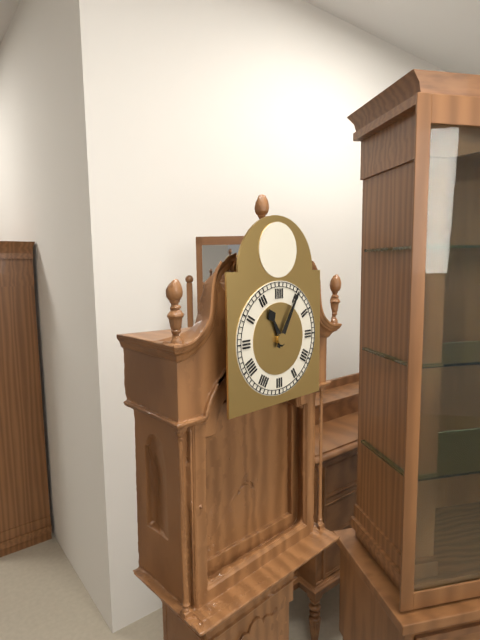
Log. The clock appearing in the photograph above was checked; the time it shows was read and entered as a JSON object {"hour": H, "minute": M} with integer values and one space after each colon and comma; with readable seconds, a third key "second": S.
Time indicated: {"hour": 11, "minute": 5}
